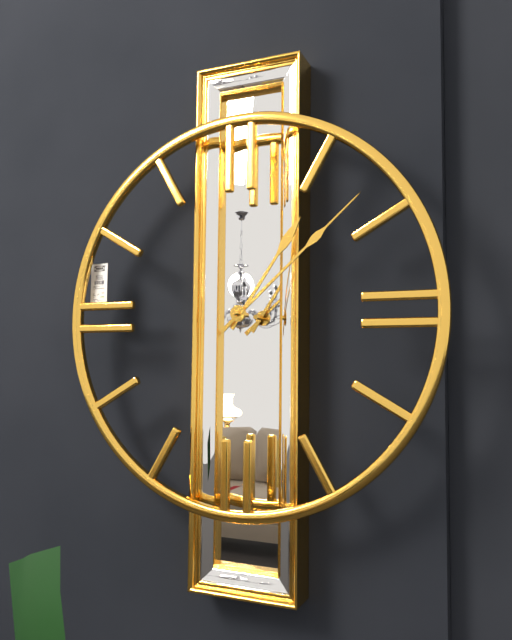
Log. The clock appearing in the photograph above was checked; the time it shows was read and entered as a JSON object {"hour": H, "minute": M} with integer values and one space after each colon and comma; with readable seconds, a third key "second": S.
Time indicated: {"hour": 1, "minute": 8}
